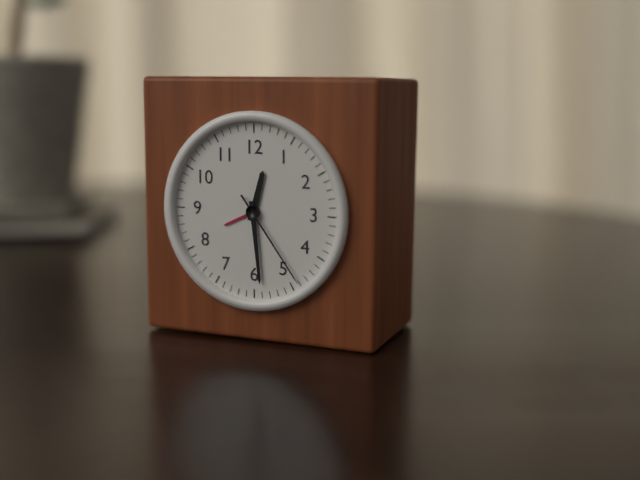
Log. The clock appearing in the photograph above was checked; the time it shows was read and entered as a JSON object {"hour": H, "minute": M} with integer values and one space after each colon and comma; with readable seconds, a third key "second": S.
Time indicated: {"hour": 12, "minute": 29, "second": 24}
